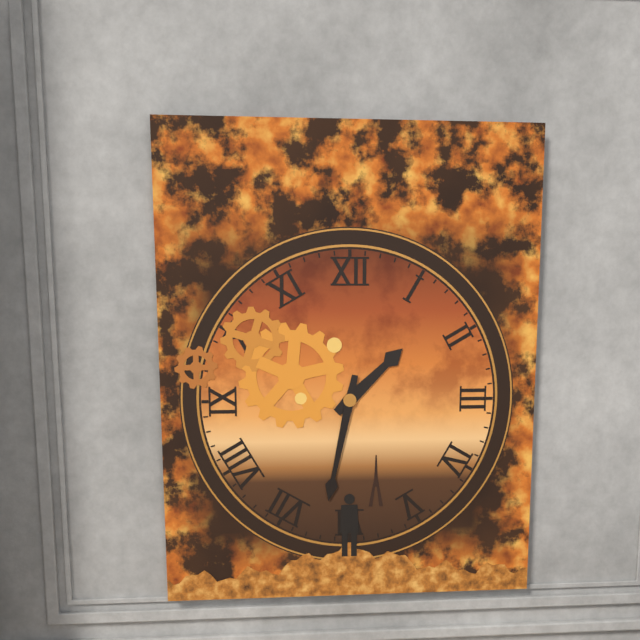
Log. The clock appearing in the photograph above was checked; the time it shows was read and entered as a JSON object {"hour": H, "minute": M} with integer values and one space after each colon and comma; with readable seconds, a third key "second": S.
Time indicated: {"hour": 1, "minute": 32}
